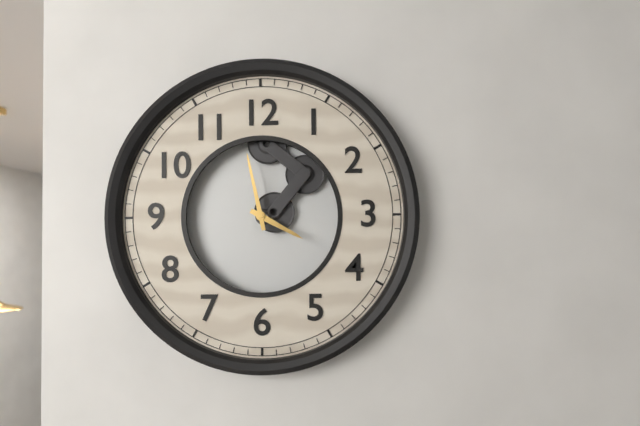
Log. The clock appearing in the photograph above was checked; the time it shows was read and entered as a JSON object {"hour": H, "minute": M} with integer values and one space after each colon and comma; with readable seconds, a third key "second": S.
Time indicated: {"hour": 3, "minute": 58}
